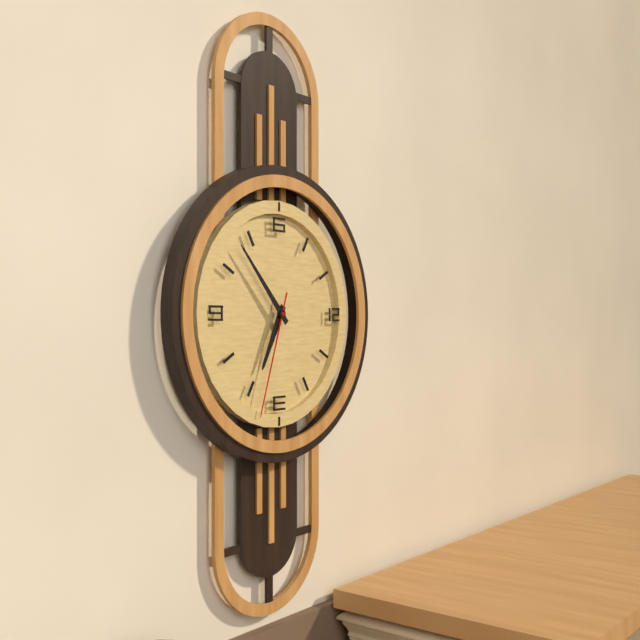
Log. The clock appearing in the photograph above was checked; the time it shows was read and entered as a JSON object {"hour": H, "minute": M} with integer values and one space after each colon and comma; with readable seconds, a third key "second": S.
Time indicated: {"hour": 6, "minute": 53, "second": 33}
